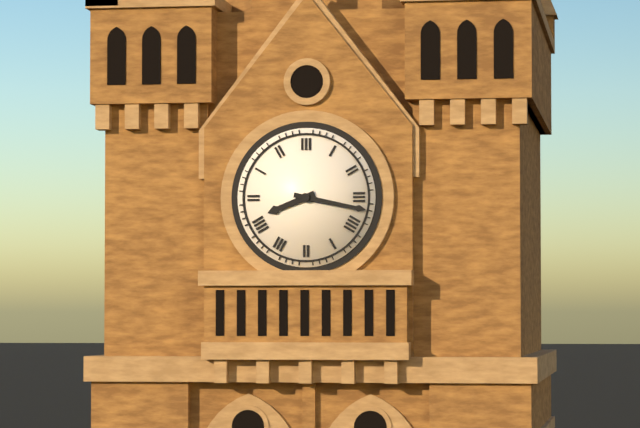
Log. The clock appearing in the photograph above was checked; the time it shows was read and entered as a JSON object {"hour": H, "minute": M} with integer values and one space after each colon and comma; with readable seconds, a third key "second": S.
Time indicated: {"hour": 8, "minute": 17}
